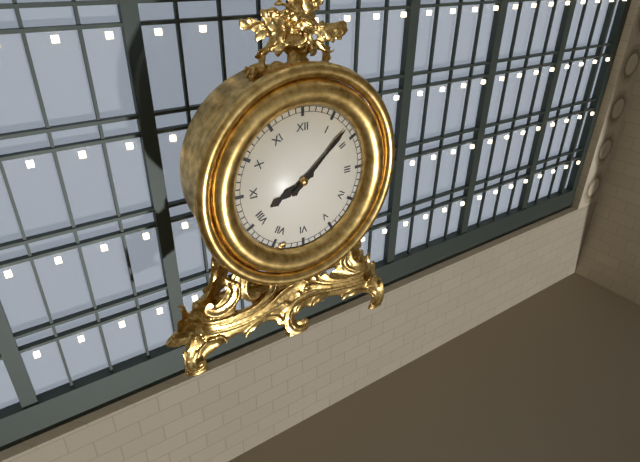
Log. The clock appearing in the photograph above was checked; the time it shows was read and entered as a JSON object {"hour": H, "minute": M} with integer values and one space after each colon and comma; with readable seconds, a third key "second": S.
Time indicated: {"hour": 8, "minute": 8}
